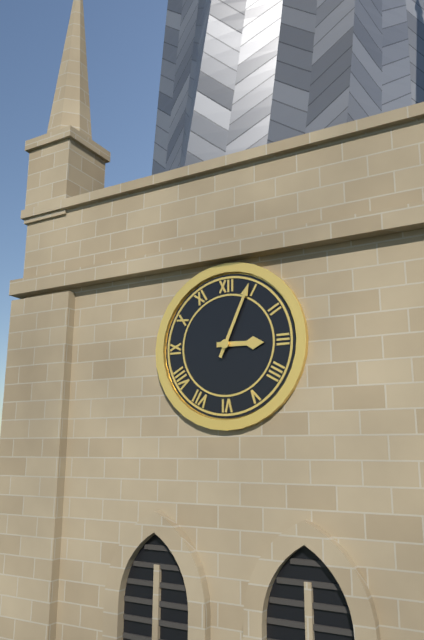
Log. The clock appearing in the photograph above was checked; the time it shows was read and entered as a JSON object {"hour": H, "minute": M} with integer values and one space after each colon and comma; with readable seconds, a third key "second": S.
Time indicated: {"hour": 3, "minute": 4}
